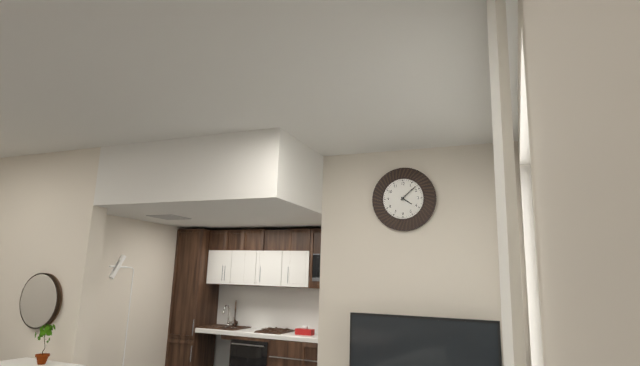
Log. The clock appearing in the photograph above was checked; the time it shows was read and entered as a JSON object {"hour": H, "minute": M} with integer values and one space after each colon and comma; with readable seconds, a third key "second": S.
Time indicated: {"hour": 4, "minute": 8}
